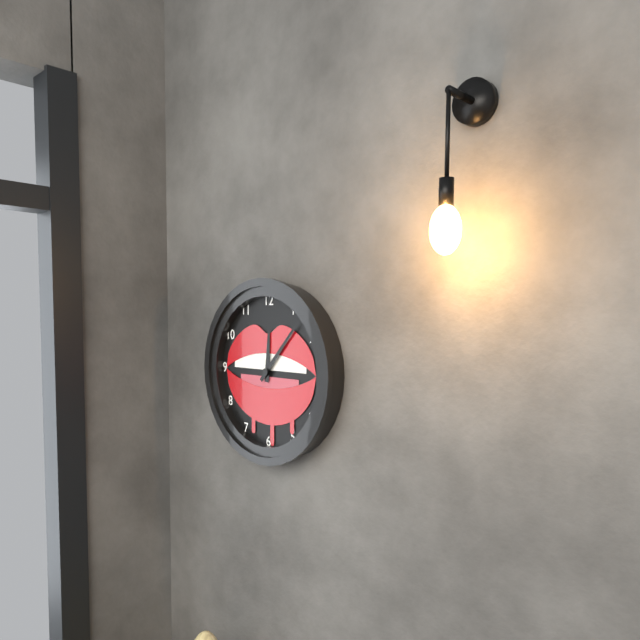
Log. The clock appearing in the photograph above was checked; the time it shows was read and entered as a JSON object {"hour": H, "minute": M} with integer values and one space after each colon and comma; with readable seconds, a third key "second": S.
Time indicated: {"hour": 12, "minute": 7}
